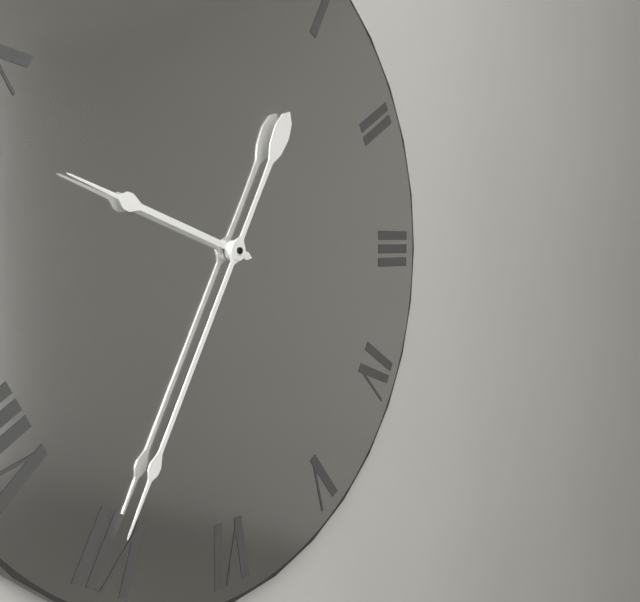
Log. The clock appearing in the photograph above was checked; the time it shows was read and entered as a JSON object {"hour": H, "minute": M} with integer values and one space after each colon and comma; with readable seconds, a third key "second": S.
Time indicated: {"hour": 9, "minute": 35}
